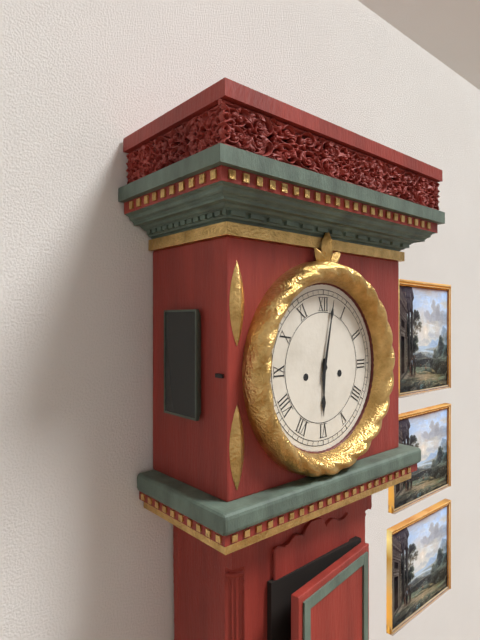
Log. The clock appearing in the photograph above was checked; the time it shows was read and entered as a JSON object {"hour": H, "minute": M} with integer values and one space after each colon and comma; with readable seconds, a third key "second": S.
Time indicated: {"hour": 6, "minute": 2}
